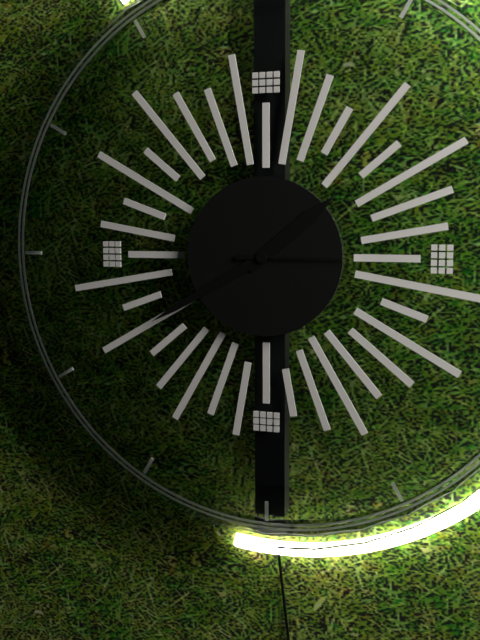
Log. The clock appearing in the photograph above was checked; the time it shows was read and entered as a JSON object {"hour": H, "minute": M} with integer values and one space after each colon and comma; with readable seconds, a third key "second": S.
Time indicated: {"hour": 1, "minute": 40, "second": 15}
